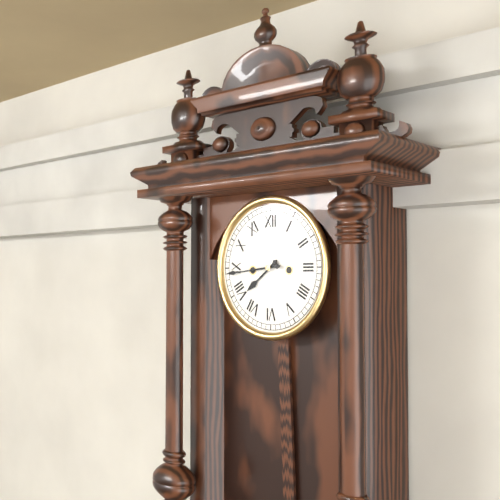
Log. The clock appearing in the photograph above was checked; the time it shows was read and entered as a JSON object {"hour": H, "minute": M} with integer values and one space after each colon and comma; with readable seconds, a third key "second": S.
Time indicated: {"hour": 7, "minute": 44}
